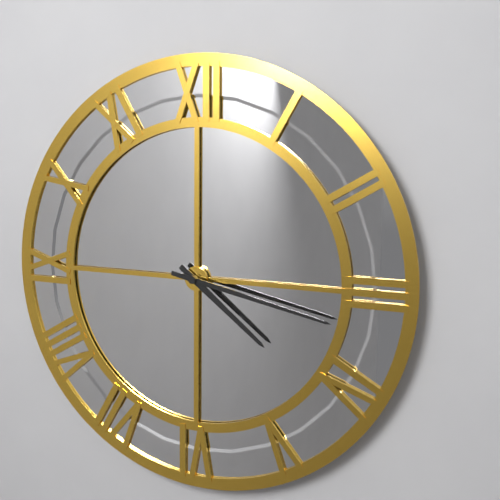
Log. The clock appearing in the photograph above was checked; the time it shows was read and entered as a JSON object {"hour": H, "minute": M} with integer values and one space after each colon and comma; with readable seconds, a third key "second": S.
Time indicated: {"hour": 4, "minute": 17}
